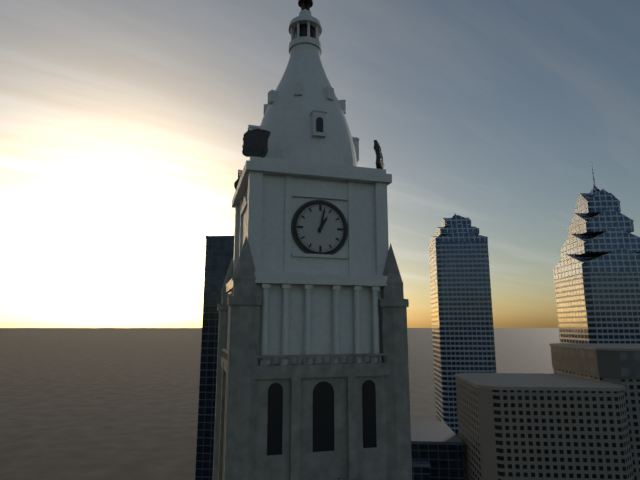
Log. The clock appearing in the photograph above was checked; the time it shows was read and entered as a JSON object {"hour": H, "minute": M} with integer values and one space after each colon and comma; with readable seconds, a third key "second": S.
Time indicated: {"hour": 1, "minute": 2}
